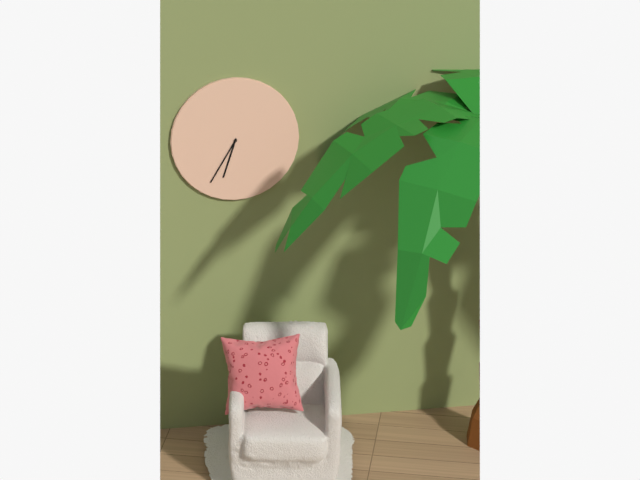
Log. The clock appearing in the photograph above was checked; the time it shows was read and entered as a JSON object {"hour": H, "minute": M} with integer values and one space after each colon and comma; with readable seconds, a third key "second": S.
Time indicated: {"hour": 6, "minute": 35}
